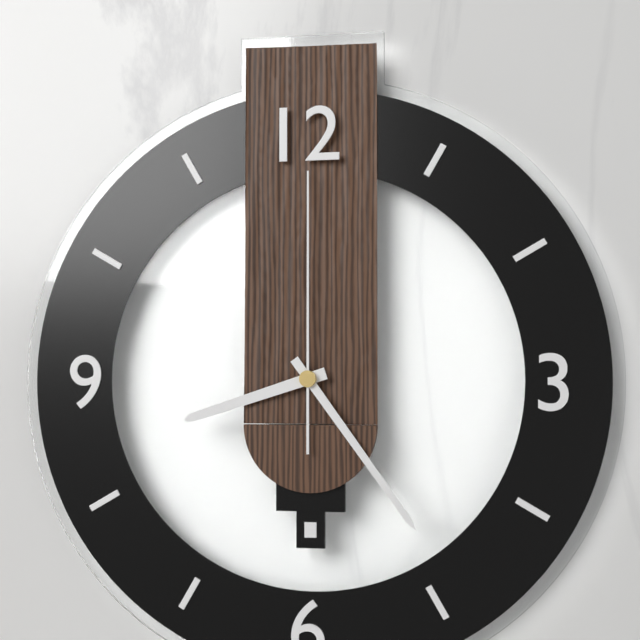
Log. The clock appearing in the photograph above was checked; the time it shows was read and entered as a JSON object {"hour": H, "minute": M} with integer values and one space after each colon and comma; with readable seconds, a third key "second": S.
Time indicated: {"hour": 8, "minute": 24, "second": 0}
